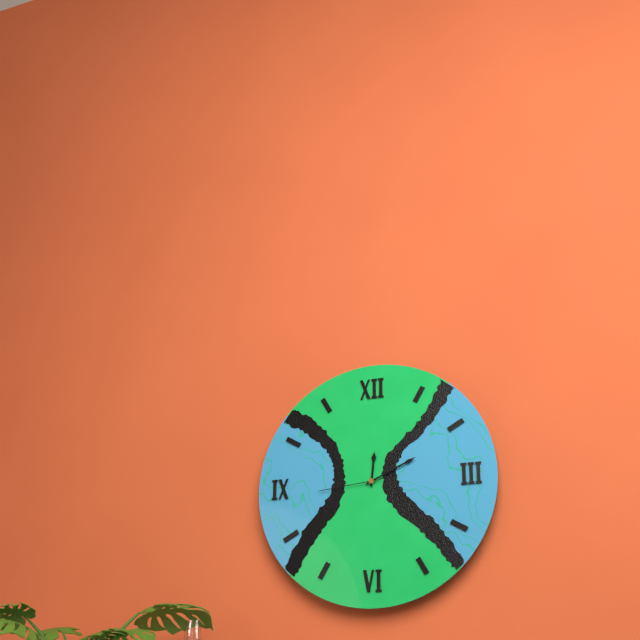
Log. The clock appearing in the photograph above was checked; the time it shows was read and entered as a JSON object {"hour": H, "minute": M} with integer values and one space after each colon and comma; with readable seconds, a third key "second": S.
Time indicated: {"hour": 12, "minute": 11, "second": 44}
